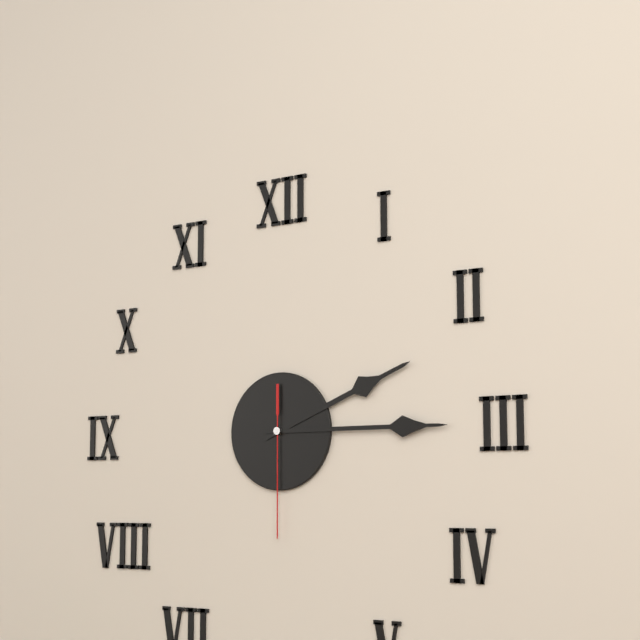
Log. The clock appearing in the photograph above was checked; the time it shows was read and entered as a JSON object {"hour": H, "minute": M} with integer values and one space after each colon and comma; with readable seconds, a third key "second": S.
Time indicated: {"hour": 2, "minute": 15, "second": 30}
